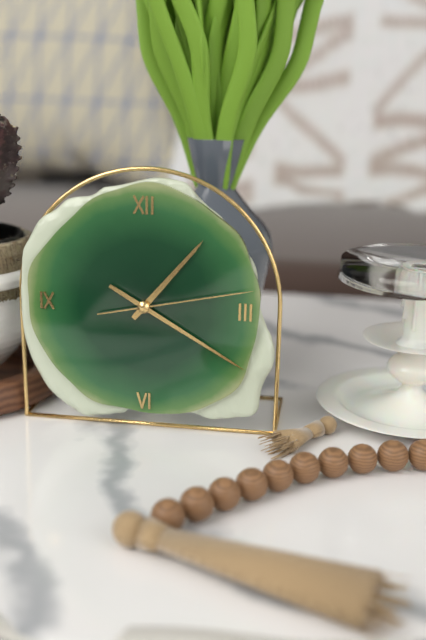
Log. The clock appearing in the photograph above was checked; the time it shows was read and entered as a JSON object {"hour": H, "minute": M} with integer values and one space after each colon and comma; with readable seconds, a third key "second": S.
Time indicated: {"hour": 1, "minute": 20, "second": 13}
